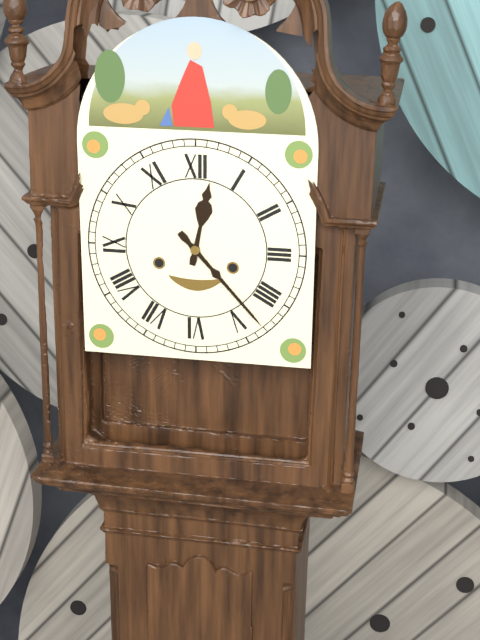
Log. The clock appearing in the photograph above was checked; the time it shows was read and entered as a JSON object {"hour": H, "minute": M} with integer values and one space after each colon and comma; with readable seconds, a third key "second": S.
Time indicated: {"hour": 12, "minute": 23}
